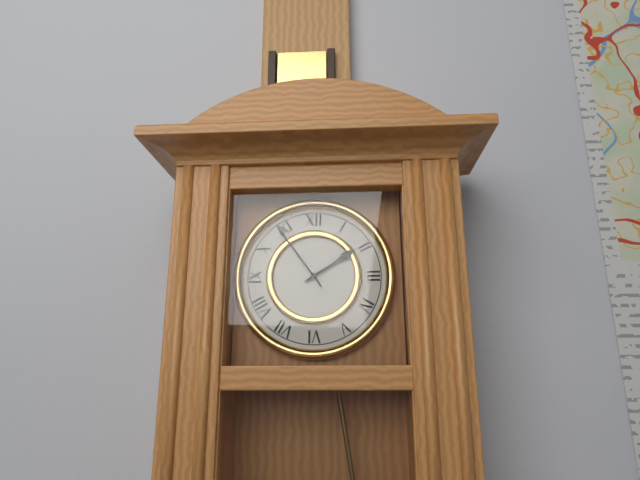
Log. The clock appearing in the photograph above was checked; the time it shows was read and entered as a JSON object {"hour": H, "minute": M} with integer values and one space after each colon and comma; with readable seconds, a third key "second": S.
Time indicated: {"hour": 1, "minute": 54}
